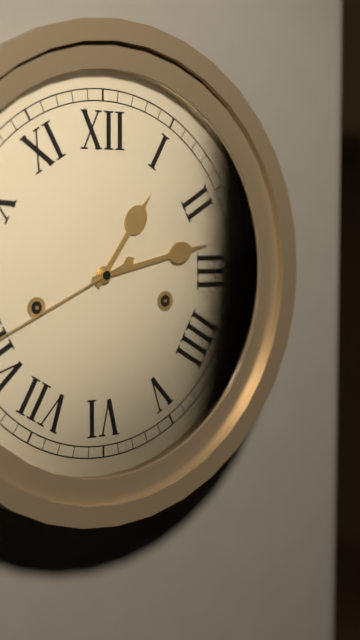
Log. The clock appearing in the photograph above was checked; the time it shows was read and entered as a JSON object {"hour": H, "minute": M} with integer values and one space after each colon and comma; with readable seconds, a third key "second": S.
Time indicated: {"hour": 1, "minute": 13}
